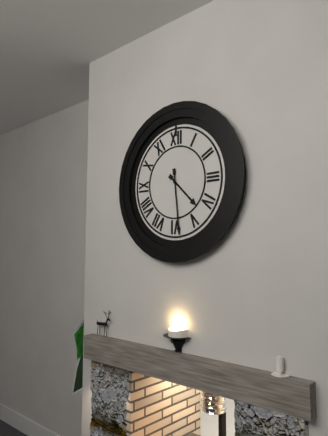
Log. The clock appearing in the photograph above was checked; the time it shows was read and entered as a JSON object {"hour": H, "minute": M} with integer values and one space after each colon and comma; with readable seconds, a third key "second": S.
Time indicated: {"hour": 4, "minute": 29}
